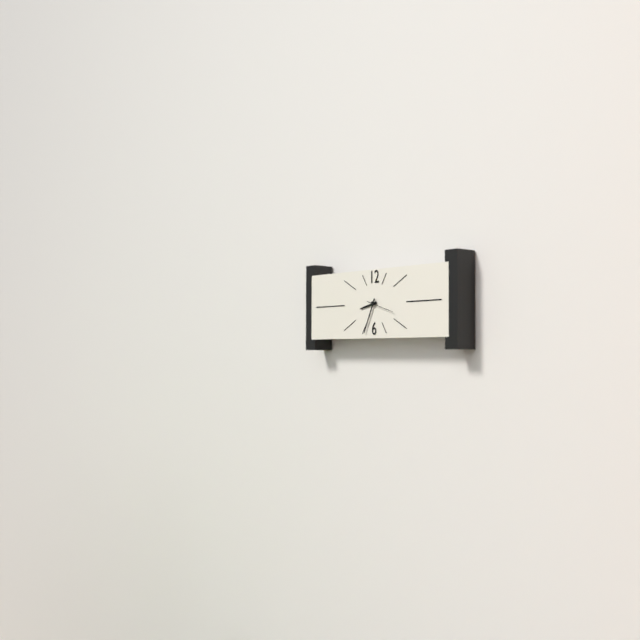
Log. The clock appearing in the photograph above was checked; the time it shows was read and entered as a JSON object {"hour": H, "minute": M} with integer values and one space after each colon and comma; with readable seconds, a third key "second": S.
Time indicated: {"hour": 8, "minute": 34}
